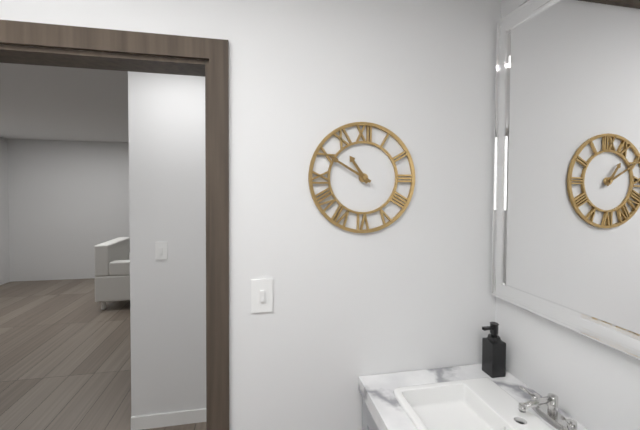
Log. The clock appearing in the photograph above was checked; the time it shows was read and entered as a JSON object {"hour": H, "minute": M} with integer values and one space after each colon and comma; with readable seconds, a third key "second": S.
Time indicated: {"hour": 10, "minute": 50}
